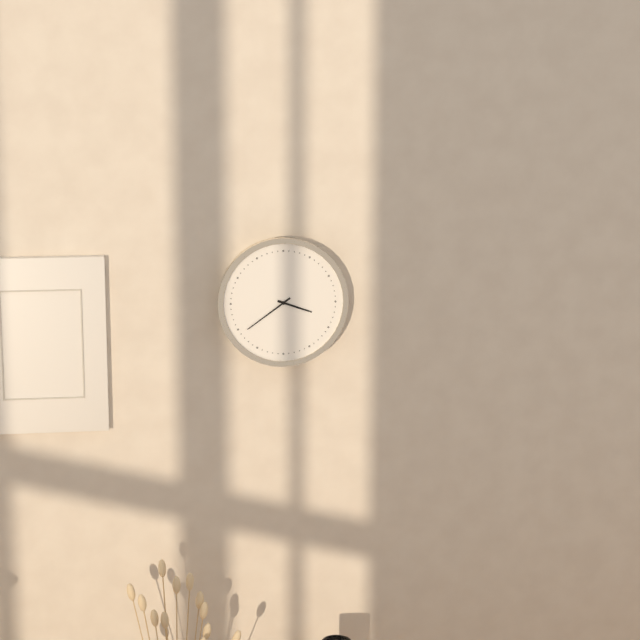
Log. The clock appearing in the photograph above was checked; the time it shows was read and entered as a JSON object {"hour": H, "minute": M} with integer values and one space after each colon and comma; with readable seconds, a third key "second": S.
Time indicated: {"hour": 3, "minute": 39}
